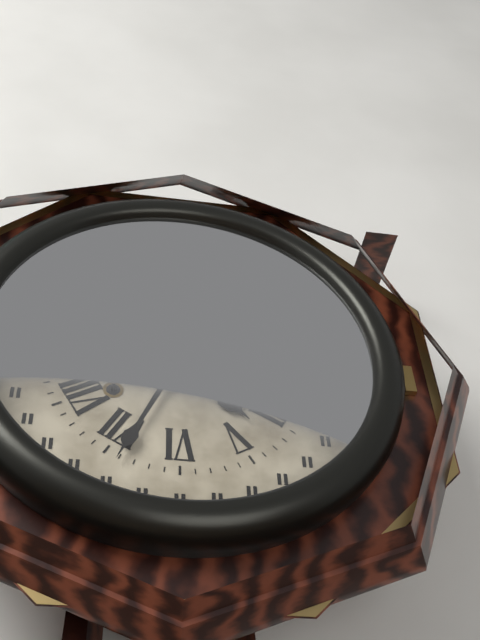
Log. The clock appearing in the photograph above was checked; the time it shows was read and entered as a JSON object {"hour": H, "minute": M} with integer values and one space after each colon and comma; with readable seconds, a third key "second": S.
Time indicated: {"hour": 4, "minute": 34}
